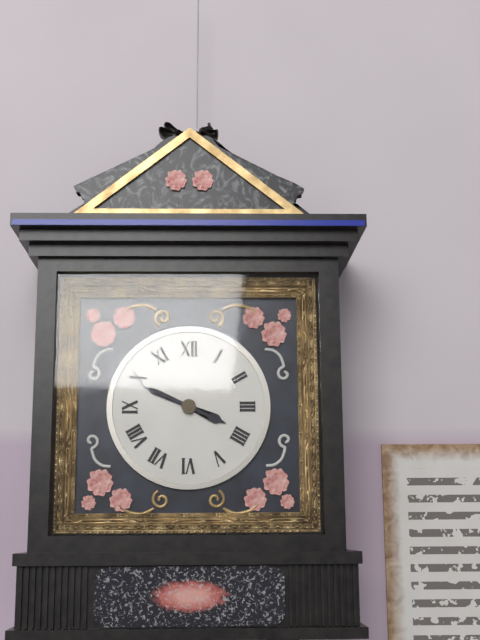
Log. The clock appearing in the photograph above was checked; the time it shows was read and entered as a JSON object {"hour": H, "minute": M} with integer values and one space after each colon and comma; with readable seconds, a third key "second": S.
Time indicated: {"hour": 3, "minute": 49}
